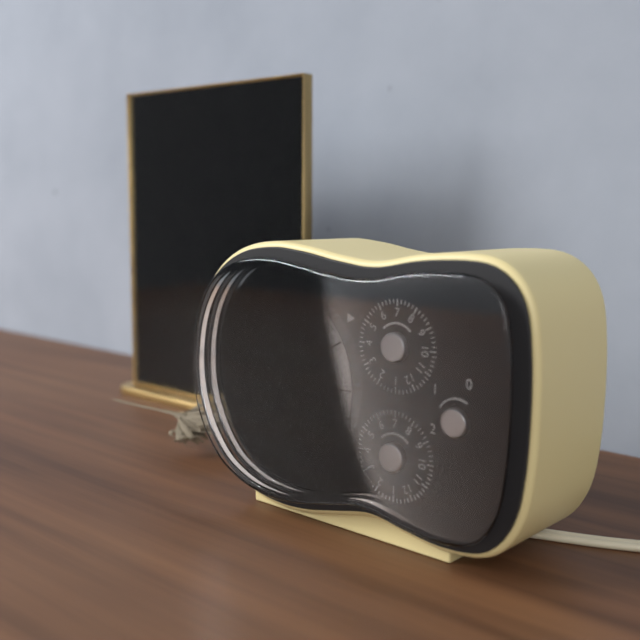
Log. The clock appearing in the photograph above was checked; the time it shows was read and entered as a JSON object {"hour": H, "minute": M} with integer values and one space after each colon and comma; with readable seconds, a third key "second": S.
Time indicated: {"hour": 5, "minute": 25, "second": 37}
